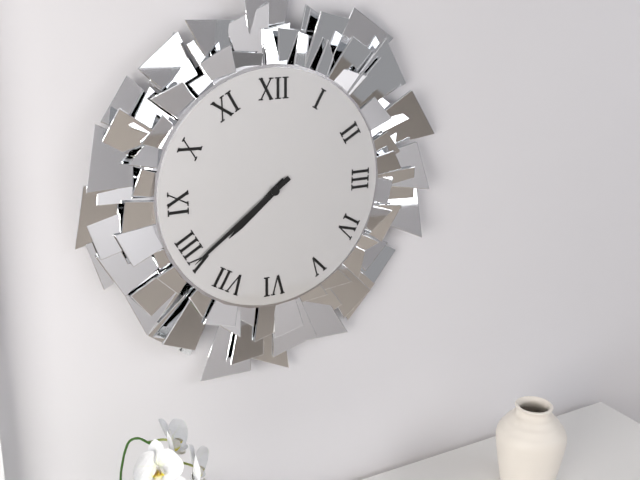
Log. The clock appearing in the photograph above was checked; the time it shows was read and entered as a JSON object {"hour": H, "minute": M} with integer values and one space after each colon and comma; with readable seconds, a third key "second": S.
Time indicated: {"hour": 7, "minute": 39}
